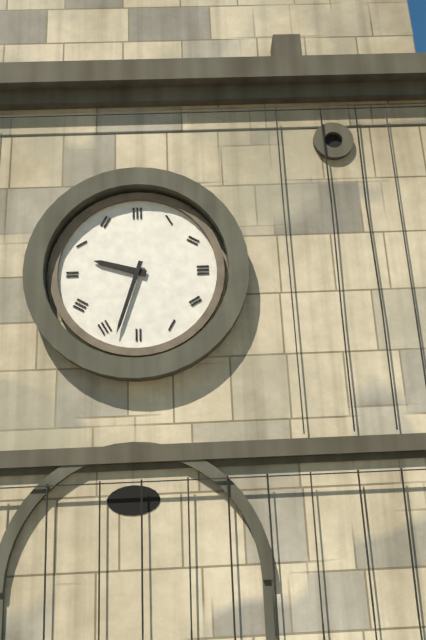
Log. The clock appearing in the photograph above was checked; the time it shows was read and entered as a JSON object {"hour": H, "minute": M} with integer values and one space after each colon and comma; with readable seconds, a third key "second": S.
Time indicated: {"hour": 9, "minute": 33}
